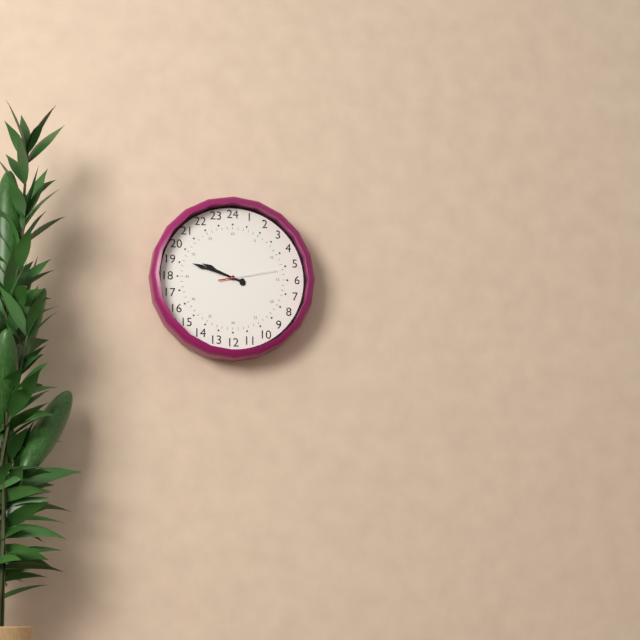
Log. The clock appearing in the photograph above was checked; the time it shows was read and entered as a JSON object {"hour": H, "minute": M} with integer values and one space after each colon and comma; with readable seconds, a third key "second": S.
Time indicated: {"hour": 9, "minute": 48, "second": 13}
